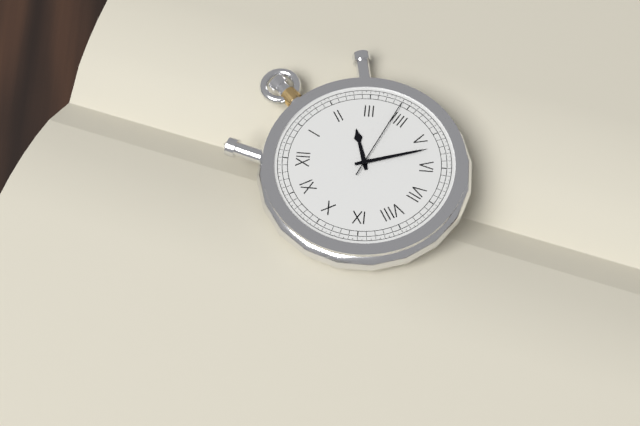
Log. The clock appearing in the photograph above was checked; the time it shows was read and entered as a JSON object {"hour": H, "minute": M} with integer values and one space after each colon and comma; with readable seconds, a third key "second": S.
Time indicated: {"hour": 2, "minute": 27, "second": 19}
